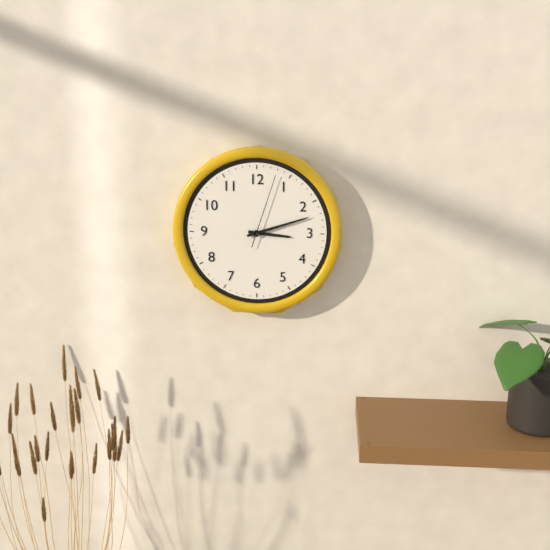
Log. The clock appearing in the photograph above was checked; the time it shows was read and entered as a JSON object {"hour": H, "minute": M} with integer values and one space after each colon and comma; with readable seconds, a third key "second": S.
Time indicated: {"hour": 3, "minute": 12, "second": 3}
